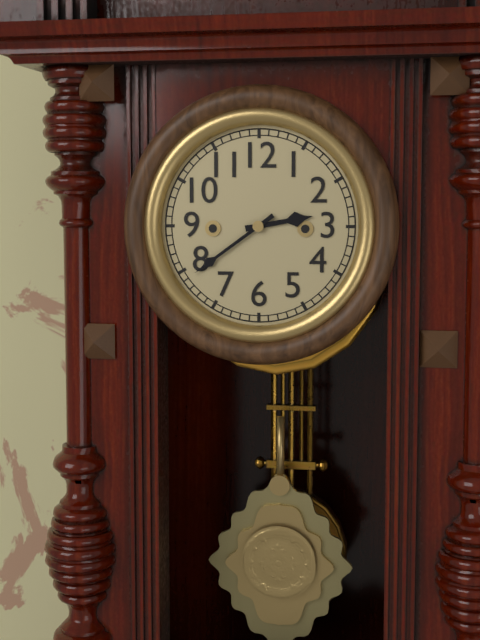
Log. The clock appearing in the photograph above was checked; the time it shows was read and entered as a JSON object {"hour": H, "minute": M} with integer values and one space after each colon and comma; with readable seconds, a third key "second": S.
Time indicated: {"hour": 2, "minute": 39}
